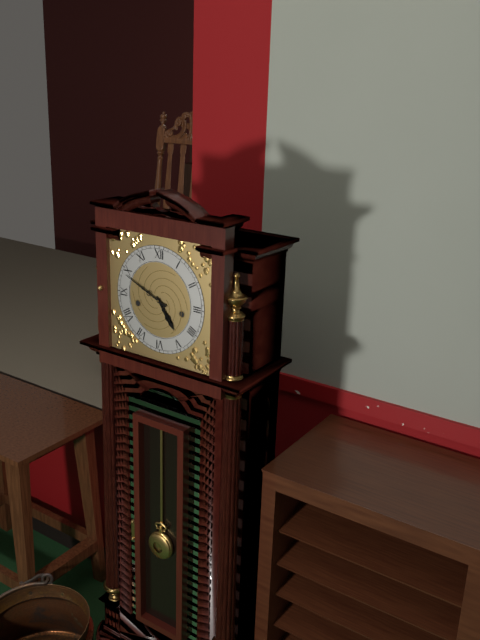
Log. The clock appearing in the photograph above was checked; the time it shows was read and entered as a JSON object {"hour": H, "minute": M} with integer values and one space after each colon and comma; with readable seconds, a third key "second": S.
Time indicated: {"hour": 4, "minute": 49}
